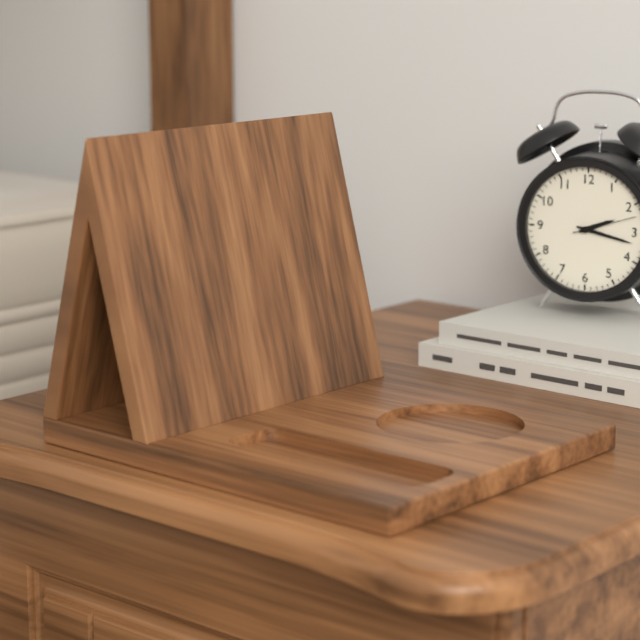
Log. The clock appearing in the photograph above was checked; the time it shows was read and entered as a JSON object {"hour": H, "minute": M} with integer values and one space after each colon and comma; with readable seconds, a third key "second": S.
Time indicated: {"hour": 2, "minute": 17, "second": 12}
